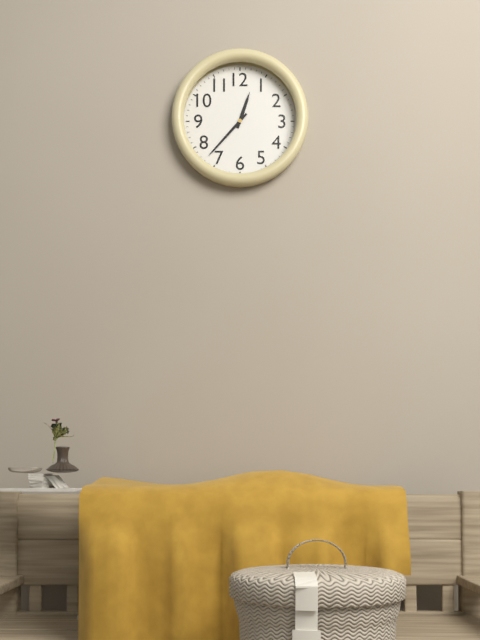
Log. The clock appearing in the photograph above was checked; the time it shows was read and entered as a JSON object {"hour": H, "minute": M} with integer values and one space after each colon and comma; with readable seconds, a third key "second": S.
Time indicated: {"hour": 12, "minute": 37}
